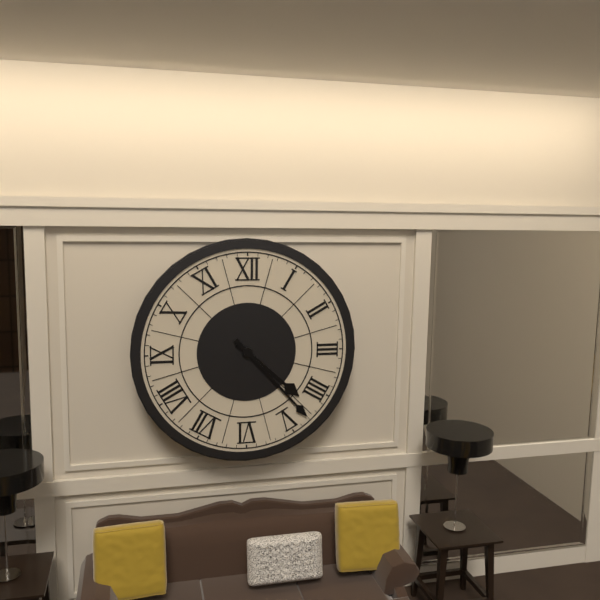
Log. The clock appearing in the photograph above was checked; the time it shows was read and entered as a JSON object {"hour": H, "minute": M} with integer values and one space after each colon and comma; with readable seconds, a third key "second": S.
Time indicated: {"hour": 4, "minute": 23}
